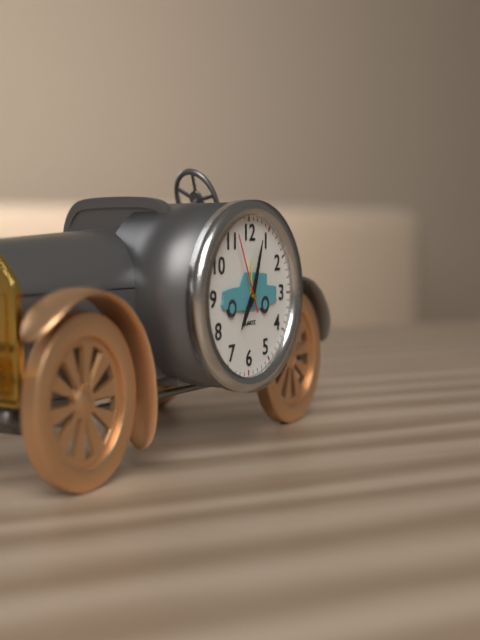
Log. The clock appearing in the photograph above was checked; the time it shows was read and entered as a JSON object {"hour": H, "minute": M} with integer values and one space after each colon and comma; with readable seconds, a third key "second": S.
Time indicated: {"hour": 7, "minute": 3, "second": 56}
